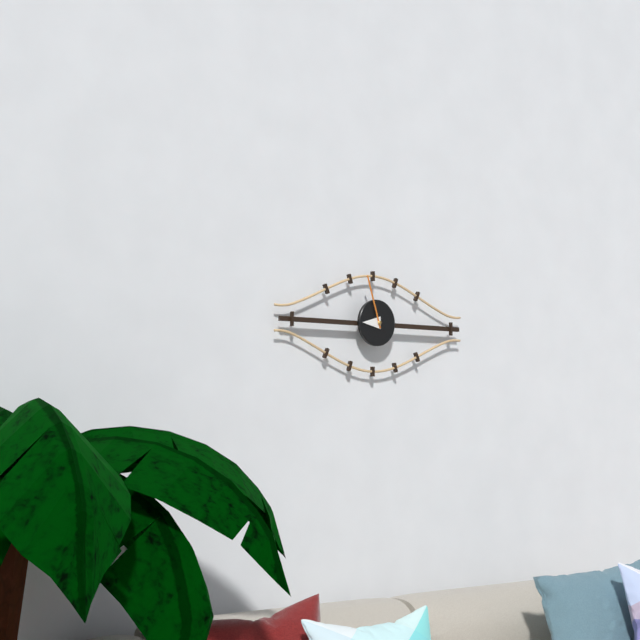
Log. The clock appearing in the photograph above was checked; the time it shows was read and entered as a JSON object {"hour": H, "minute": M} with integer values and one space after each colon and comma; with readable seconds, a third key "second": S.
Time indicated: {"hour": 8, "minute": 57}
